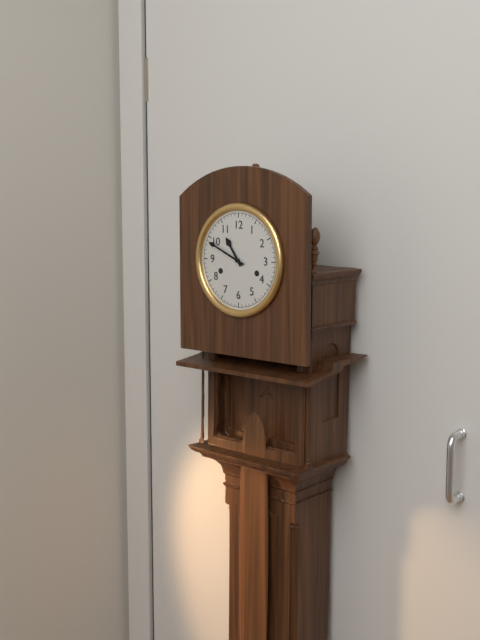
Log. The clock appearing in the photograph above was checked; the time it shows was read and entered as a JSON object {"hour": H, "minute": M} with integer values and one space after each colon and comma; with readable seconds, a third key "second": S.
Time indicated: {"hour": 10, "minute": 49}
